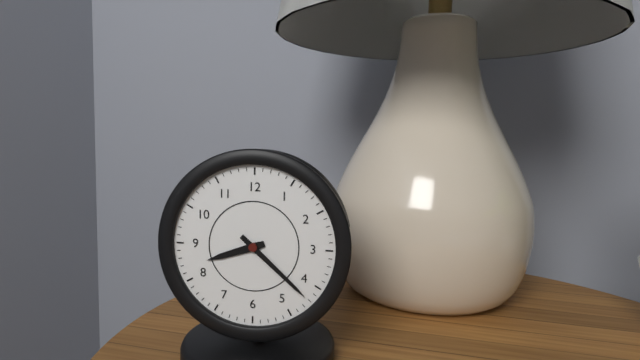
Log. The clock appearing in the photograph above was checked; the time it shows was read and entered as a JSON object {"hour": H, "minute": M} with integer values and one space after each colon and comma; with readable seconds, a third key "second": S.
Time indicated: {"hour": 8, "minute": 22}
